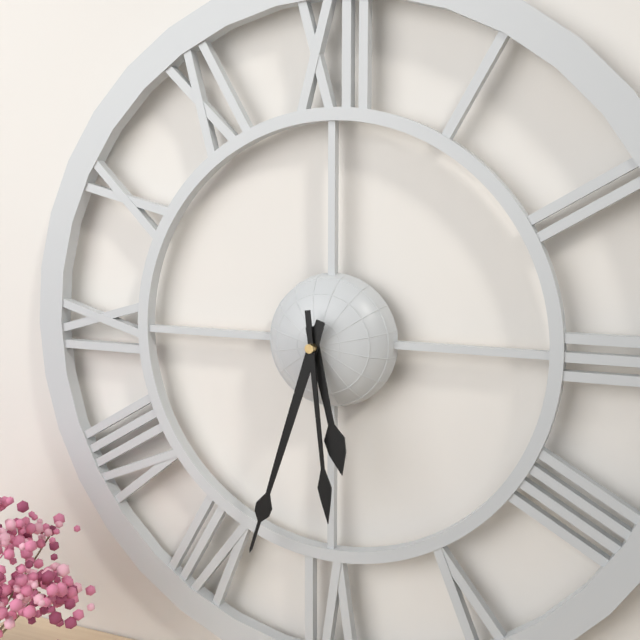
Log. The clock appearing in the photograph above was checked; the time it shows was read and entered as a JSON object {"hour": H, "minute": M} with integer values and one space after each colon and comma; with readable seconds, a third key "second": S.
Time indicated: {"hour": 5, "minute": 33, "second": 29}
